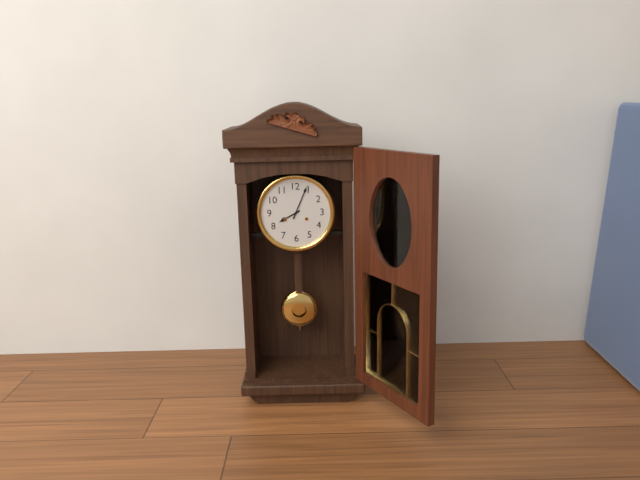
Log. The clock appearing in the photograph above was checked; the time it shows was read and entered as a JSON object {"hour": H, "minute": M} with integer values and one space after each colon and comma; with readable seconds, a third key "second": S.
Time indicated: {"hour": 8, "minute": 4}
